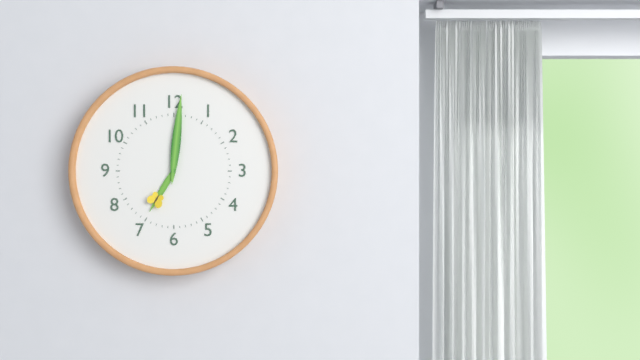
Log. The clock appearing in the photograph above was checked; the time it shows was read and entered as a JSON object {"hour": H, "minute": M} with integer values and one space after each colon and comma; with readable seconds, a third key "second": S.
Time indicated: {"hour": 7, "minute": 1}
